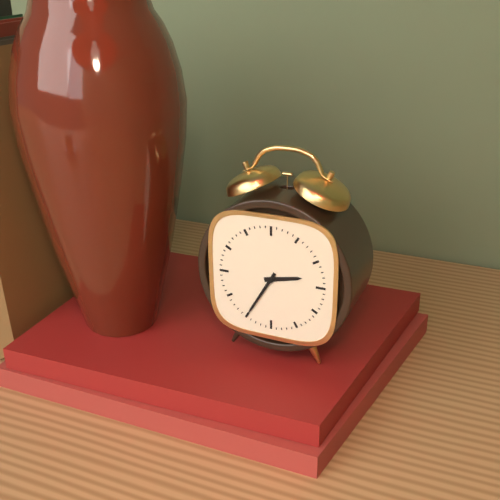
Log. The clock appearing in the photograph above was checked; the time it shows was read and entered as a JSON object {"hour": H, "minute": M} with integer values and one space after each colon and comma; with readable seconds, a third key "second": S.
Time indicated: {"hour": 2, "minute": 35}
